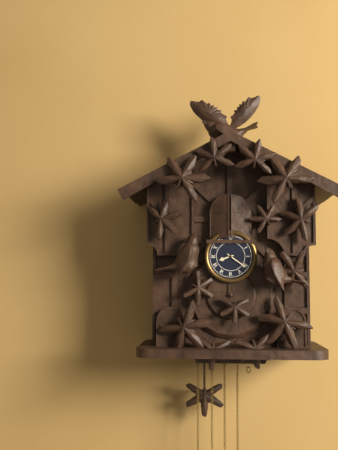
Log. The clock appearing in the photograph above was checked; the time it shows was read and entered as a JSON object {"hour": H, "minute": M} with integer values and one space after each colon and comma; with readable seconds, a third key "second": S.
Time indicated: {"hour": 8, "minute": 21}
